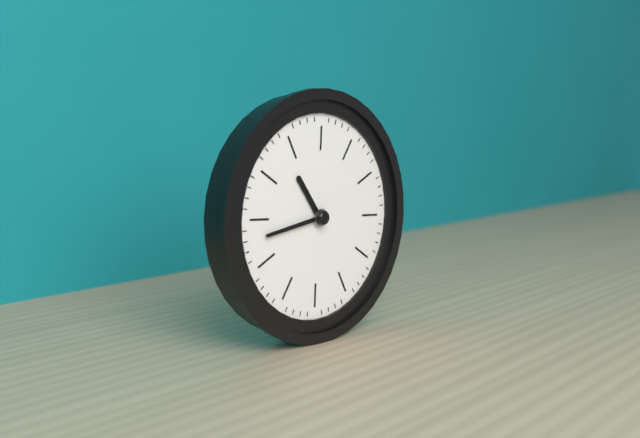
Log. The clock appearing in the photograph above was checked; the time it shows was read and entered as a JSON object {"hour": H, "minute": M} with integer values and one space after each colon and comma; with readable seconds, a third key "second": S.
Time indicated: {"hour": 10, "minute": 43}
